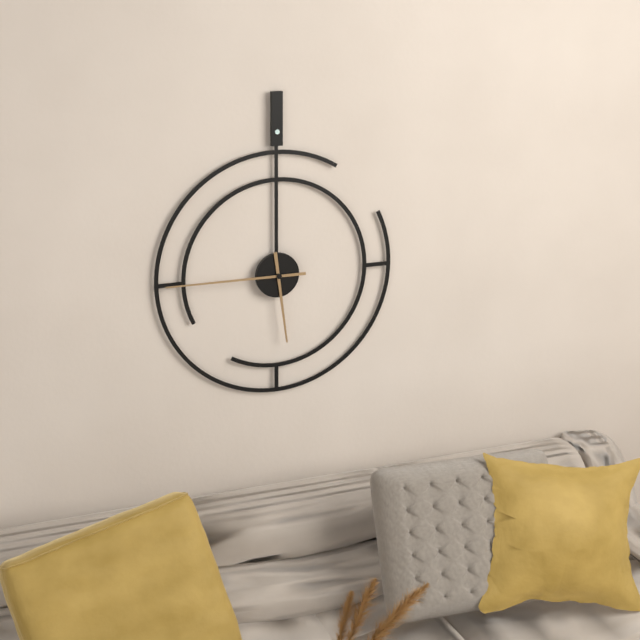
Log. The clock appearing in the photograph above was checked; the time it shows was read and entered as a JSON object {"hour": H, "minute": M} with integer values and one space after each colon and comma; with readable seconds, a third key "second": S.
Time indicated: {"hour": 5, "minute": 45}
